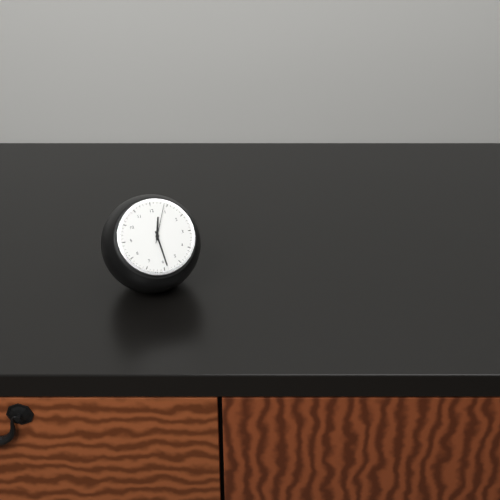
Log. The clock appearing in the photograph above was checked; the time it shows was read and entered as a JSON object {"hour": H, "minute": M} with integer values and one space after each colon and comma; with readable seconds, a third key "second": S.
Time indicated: {"hour": 12, "minute": 29}
